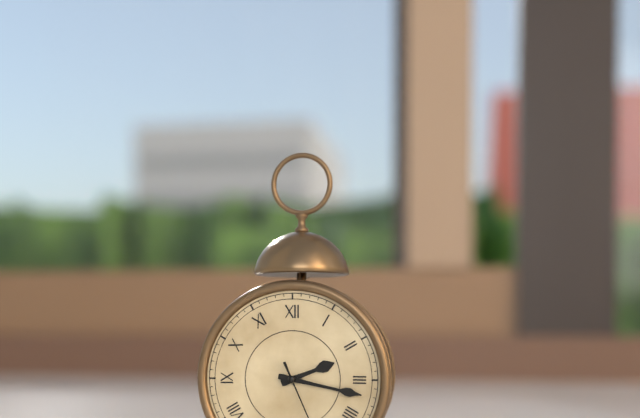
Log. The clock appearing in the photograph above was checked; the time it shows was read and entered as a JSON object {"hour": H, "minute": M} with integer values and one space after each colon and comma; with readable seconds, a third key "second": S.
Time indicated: {"hour": 2, "minute": 17}
